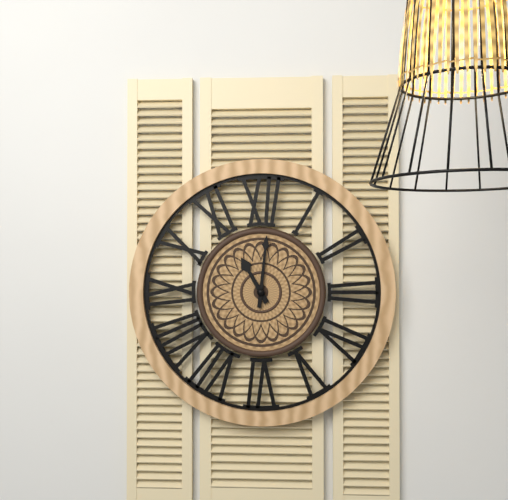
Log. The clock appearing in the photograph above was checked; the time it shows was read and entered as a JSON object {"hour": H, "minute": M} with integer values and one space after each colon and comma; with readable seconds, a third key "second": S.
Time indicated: {"hour": 11, "minute": 1}
